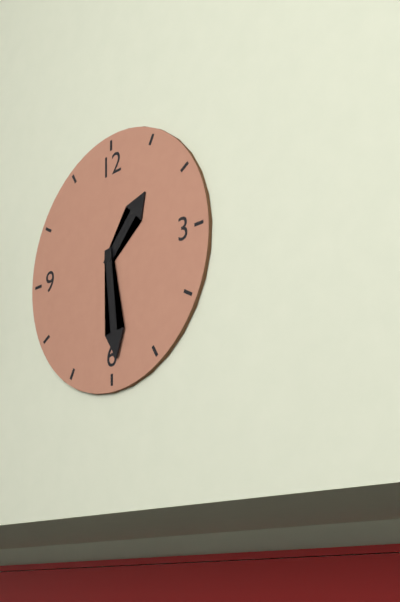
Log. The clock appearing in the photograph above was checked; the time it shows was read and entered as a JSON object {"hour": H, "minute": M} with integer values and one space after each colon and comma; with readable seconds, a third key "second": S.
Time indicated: {"hour": 1, "minute": 29}
